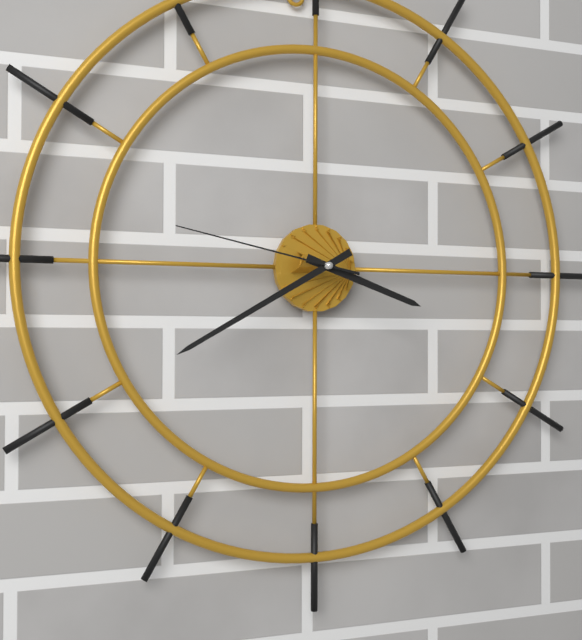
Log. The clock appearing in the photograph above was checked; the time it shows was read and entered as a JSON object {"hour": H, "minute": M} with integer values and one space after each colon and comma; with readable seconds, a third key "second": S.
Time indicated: {"hour": 3, "minute": 40, "second": 47}
